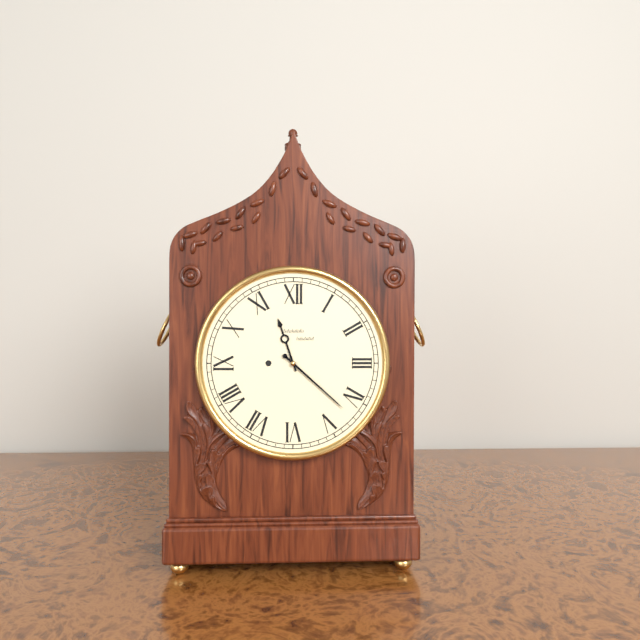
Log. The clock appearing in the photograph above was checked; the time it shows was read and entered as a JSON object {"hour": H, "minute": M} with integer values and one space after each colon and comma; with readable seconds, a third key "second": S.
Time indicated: {"hour": 11, "minute": 22}
